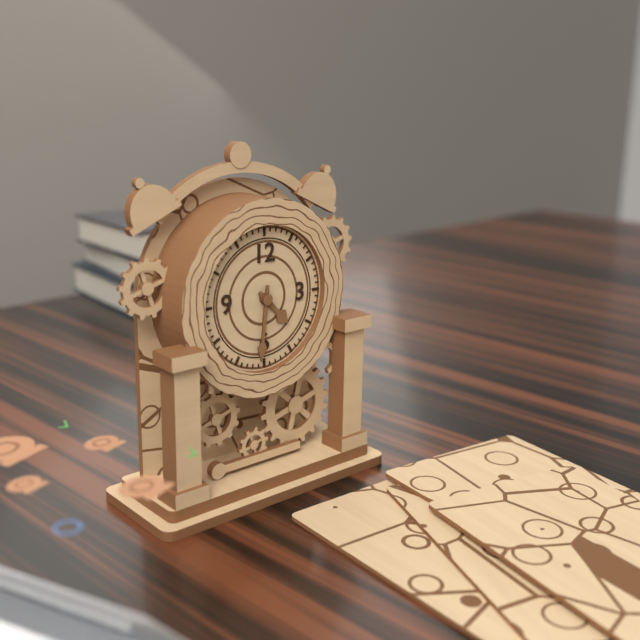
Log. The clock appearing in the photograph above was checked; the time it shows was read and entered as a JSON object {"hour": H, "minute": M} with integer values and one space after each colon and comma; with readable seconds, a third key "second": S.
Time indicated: {"hour": 4, "minute": 31}
